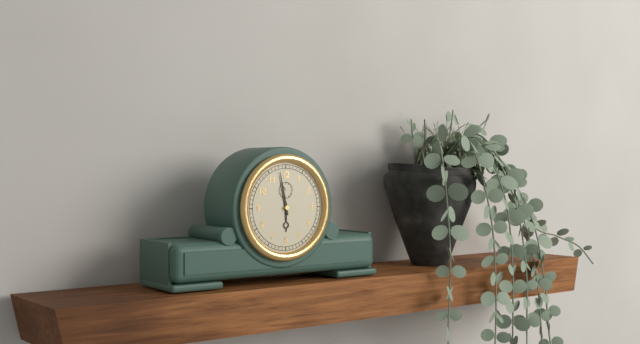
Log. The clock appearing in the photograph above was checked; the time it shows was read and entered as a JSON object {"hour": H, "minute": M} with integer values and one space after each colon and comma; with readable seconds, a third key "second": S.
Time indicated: {"hour": 5, "minute": 58}
